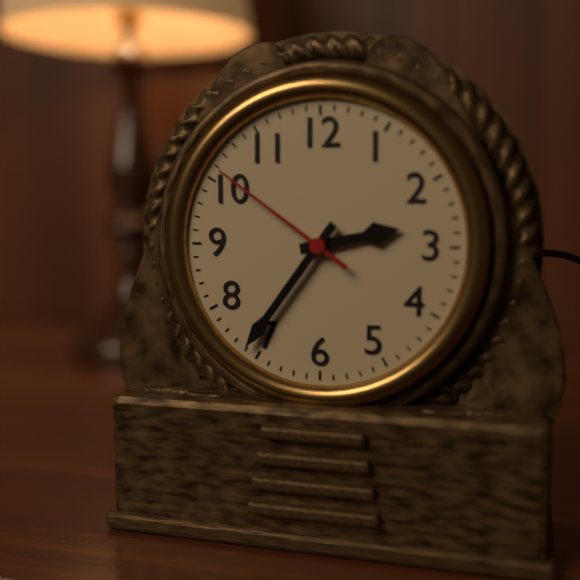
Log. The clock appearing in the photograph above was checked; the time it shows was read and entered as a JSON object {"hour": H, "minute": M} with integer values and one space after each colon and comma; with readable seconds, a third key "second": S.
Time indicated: {"hour": 2, "minute": 36, "second": 51}
